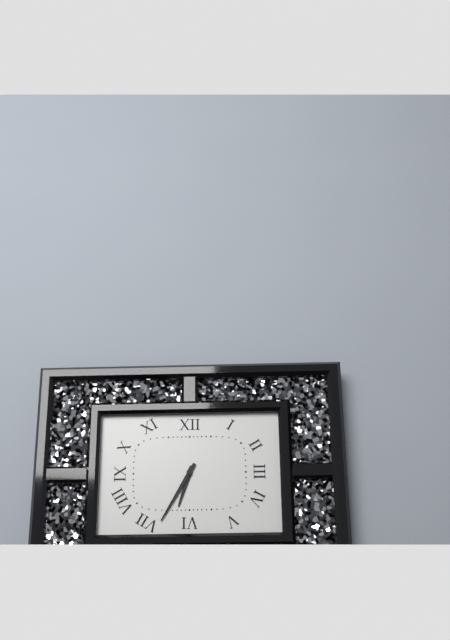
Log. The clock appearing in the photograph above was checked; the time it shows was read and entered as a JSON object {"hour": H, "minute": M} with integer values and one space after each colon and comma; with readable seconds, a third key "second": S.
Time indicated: {"hour": 6, "minute": 35}
